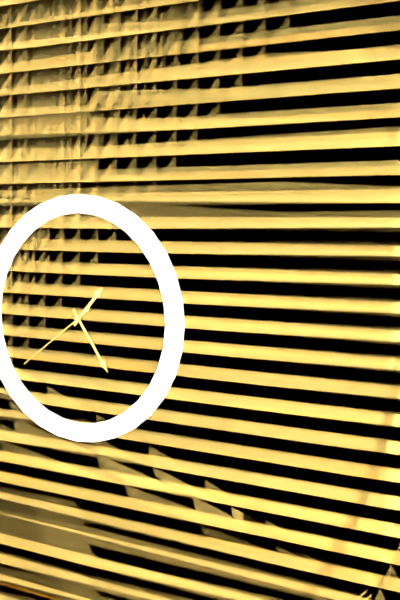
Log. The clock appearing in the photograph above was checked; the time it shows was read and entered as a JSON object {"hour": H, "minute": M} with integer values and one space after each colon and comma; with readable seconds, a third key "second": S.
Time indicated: {"hour": 1, "minute": 24, "second": 39}
